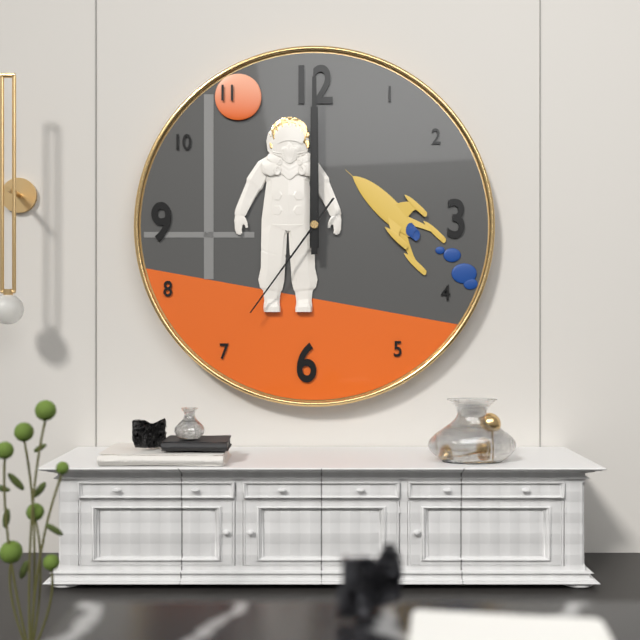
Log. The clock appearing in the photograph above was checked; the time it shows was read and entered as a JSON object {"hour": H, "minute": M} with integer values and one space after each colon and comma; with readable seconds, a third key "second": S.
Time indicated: {"hour": 12, "minute": 0, "second": 36}
